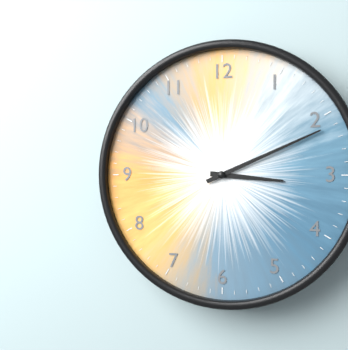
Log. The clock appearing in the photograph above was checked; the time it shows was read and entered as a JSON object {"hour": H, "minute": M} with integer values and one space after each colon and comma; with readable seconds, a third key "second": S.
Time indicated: {"hour": 3, "minute": 11}
